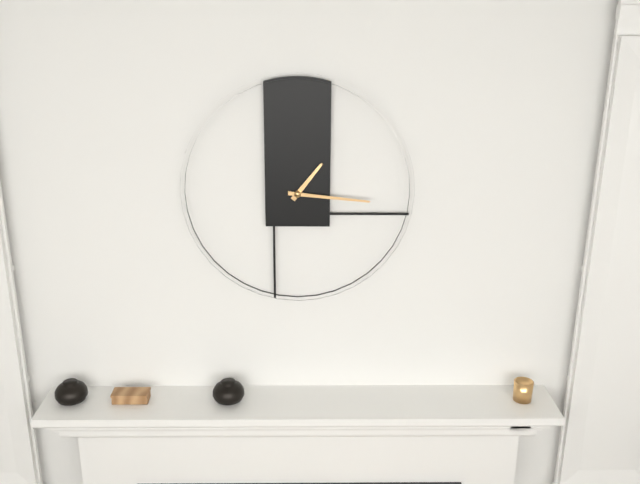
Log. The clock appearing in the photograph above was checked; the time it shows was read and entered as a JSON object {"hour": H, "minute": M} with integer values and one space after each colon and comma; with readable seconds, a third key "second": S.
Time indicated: {"hour": 1, "minute": 16}
